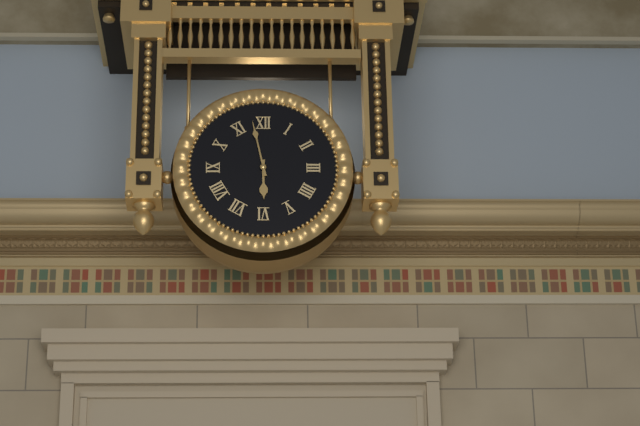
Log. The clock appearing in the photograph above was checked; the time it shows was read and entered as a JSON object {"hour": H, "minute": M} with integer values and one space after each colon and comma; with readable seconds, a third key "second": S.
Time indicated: {"hour": 5, "minute": 58}
